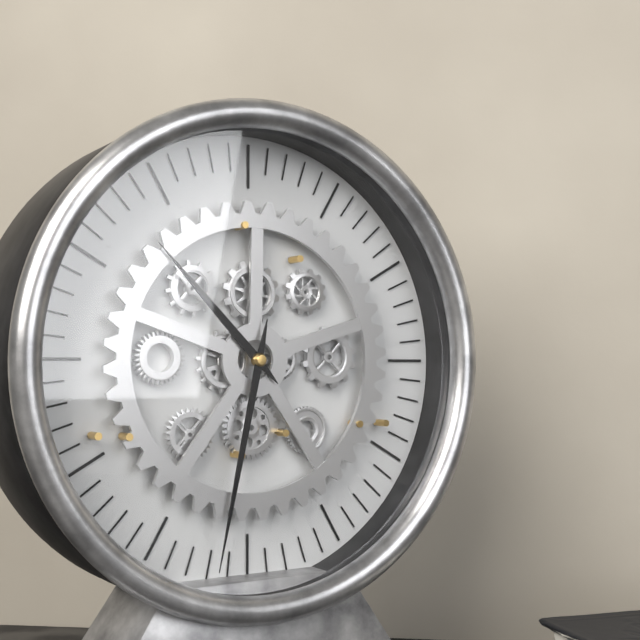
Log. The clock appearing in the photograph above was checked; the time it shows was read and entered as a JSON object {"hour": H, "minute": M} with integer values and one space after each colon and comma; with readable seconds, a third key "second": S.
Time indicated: {"hour": 10, "minute": 32}
